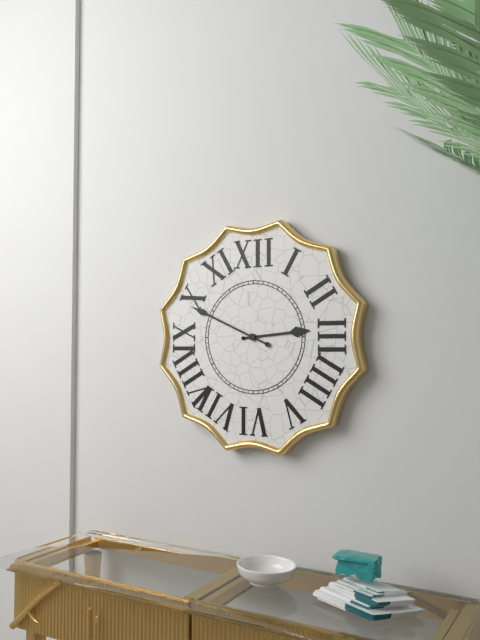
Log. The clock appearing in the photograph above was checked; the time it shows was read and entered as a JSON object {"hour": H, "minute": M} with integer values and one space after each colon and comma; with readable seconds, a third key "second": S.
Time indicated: {"hour": 2, "minute": 49}
